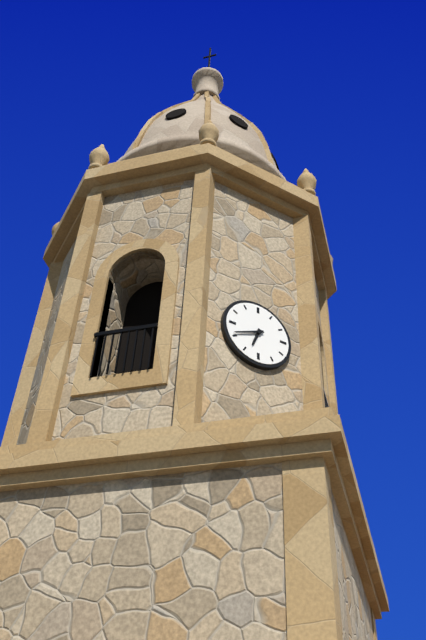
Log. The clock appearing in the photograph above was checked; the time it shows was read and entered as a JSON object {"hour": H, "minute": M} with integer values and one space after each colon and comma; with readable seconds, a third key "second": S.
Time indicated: {"hour": 6, "minute": 41}
